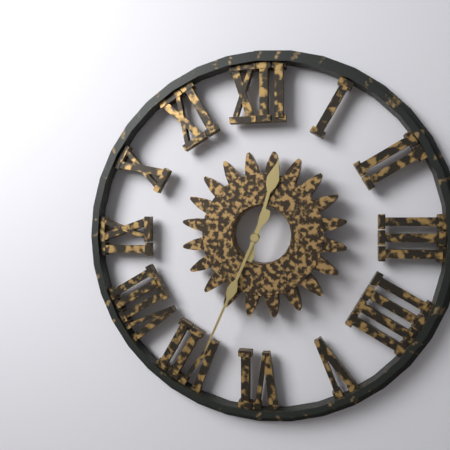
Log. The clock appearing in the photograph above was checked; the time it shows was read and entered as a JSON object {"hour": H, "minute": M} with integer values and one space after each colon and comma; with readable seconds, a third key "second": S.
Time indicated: {"hour": 12, "minute": 34}
